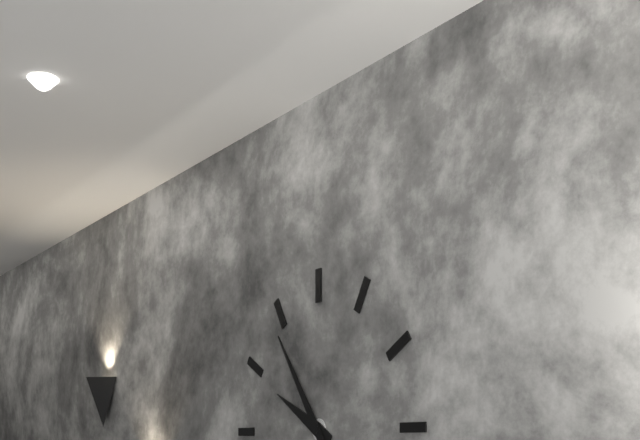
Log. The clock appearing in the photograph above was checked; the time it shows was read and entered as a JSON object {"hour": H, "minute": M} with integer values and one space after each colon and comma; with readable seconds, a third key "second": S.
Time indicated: {"hour": 9, "minute": 54}
